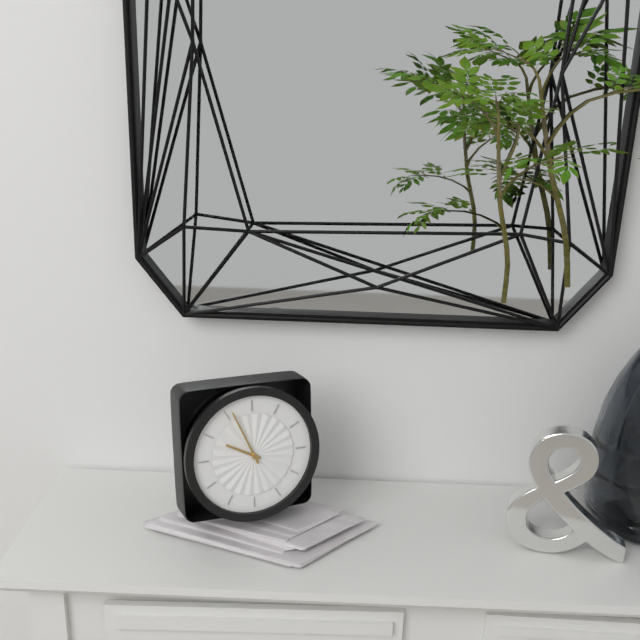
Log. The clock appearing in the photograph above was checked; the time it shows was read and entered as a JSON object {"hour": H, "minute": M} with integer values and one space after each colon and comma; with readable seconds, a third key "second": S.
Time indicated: {"hour": 9, "minute": 56}
